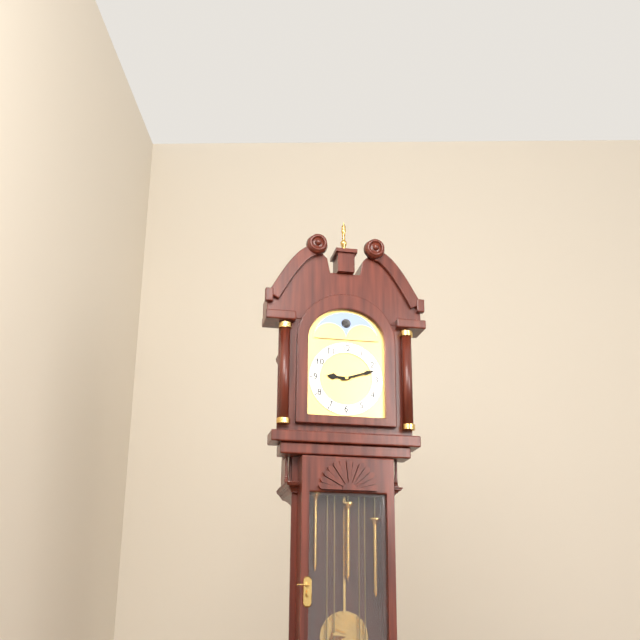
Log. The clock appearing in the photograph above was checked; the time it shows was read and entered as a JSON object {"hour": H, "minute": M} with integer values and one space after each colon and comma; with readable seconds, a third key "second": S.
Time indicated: {"hour": 9, "minute": 12}
